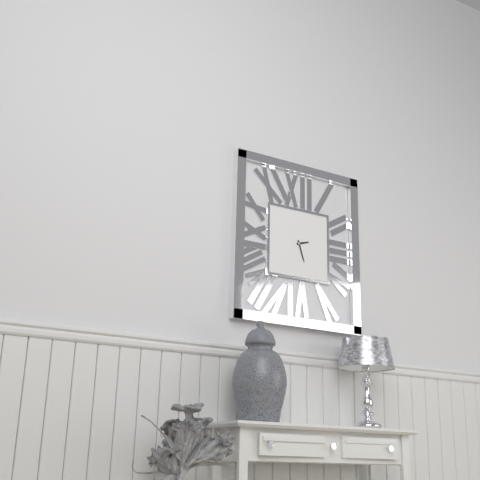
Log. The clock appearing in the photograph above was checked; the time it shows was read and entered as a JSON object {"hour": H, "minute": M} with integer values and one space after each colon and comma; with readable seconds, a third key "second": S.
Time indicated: {"hour": 2, "minute": 27}
